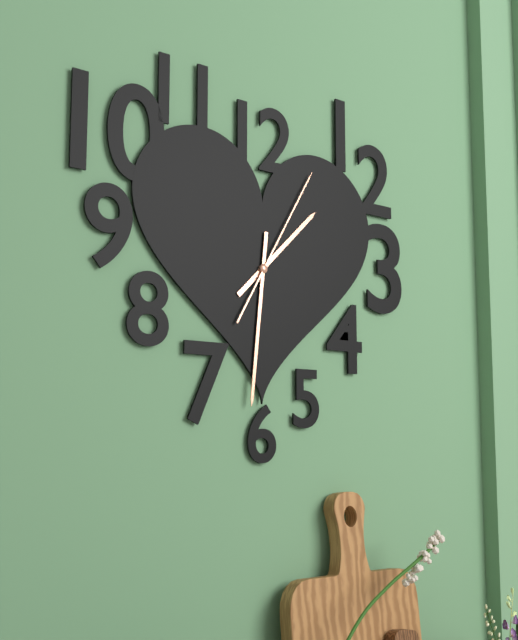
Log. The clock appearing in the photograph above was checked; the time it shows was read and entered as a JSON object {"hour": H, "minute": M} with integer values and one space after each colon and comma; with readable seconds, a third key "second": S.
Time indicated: {"hour": 1, "minute": 31, "second": 5}
